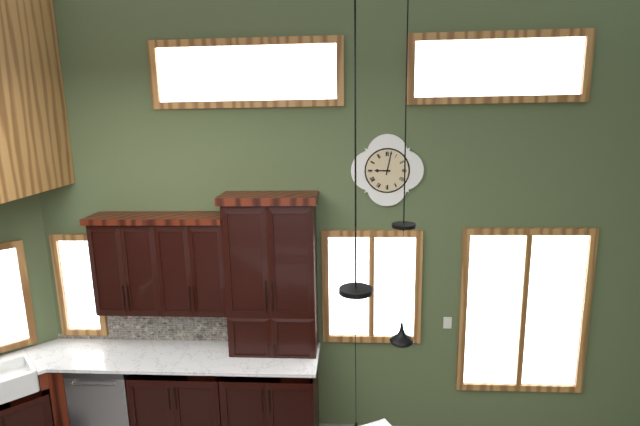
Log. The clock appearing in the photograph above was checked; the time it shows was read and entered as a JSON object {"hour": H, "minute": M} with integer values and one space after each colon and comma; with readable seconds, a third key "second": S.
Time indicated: {"hour": 9, "minute": 2}
